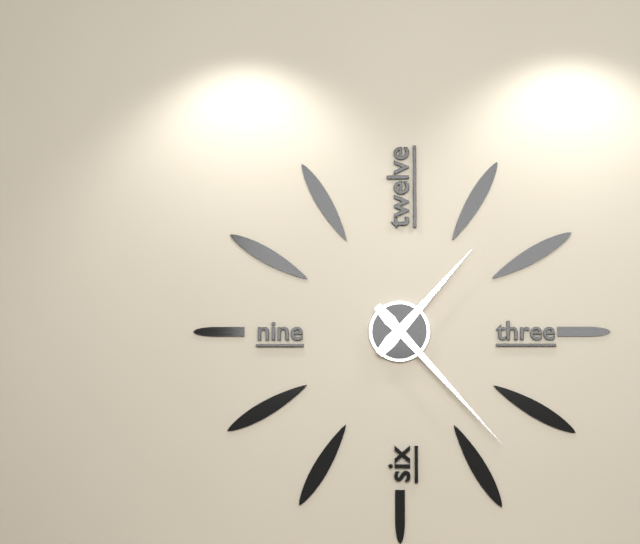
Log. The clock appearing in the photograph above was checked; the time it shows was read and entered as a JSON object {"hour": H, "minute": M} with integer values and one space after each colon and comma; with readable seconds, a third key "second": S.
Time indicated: {"hour": 1, "minute": 23}
